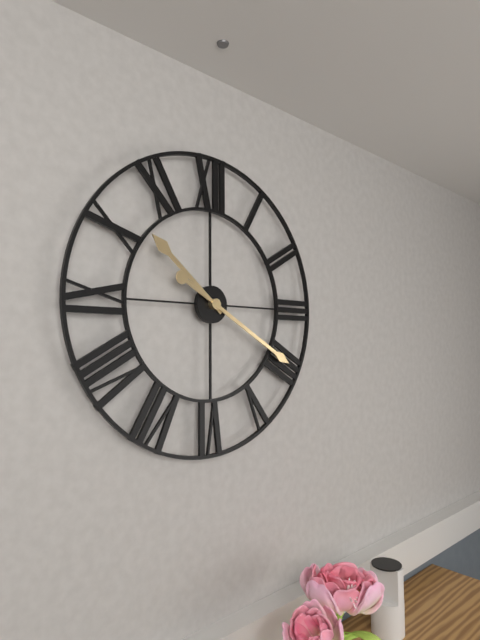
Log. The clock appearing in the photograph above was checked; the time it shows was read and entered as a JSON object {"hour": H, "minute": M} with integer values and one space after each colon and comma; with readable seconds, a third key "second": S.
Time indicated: {"hour": 10, "minute": 20}
